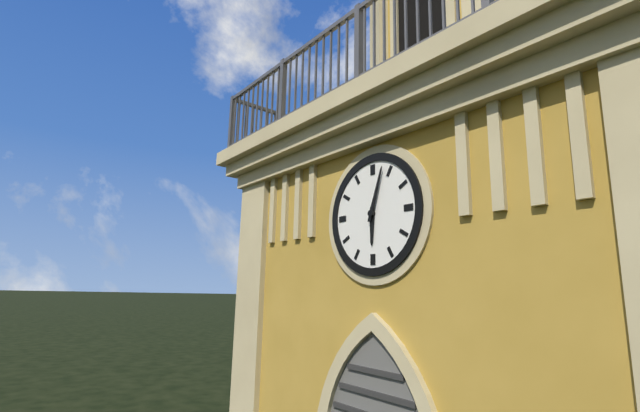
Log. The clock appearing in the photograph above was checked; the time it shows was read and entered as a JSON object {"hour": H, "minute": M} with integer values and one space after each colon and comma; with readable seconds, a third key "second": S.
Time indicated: {"hour": 6, "minute": 3}
